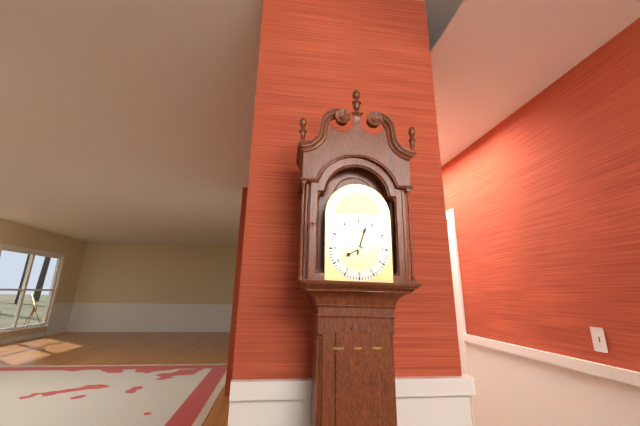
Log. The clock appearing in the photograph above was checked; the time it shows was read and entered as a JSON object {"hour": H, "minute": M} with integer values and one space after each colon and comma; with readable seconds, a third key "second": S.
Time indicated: {"hour": 8, "minute": 3}
